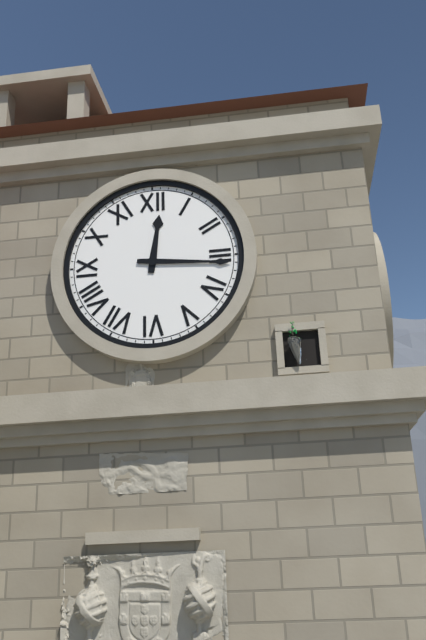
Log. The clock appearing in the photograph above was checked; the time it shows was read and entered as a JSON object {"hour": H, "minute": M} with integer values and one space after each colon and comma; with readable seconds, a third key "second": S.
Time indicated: {"hour": 12, "minute": 16}
